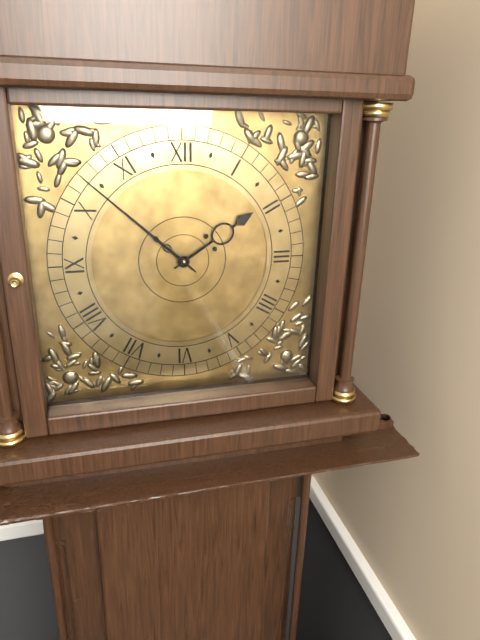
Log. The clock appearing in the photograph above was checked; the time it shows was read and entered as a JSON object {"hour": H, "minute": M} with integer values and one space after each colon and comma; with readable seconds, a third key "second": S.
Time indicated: {"hour": 1, "minute": 52}
